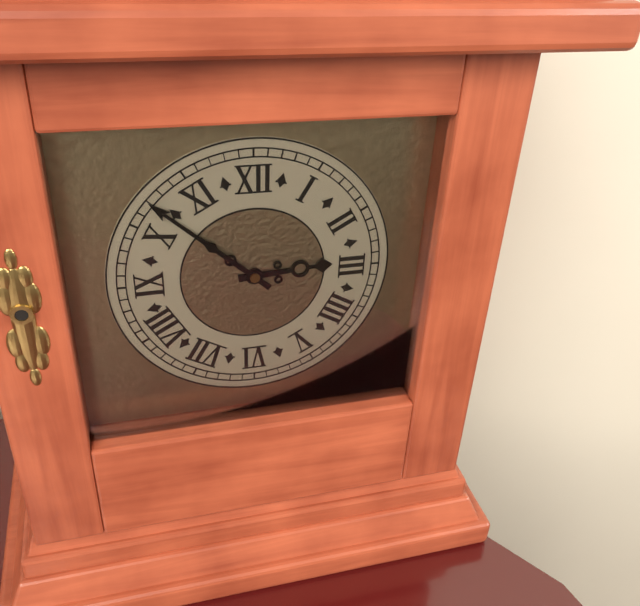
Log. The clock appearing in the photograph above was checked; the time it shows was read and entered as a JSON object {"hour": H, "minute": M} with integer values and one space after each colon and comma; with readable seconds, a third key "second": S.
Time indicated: {"hour": 2, "minute": 52}
